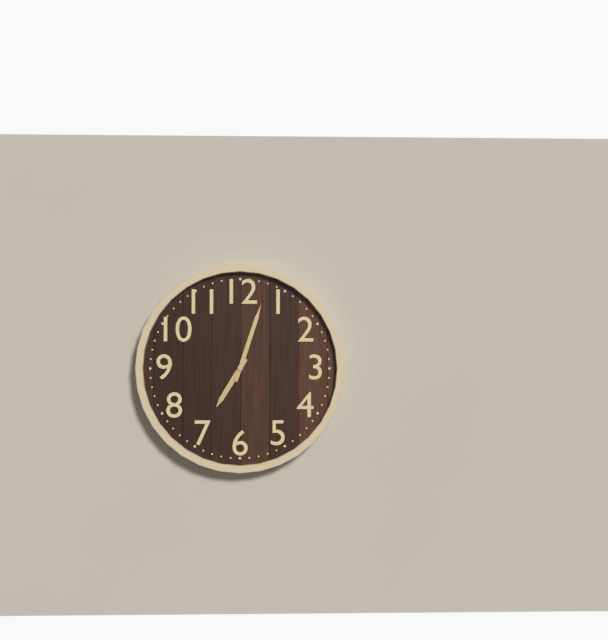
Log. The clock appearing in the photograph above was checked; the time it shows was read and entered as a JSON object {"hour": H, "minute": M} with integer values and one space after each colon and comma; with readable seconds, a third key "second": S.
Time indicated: {"hour": 7, "minute": 3}
